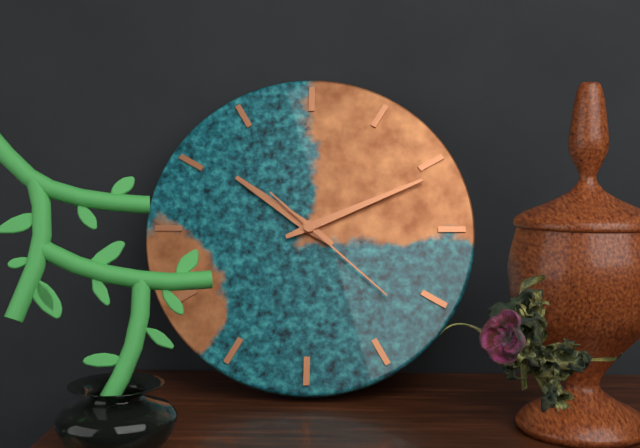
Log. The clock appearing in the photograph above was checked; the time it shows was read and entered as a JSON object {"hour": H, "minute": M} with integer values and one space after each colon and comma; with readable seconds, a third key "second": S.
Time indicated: {"hour": 10, "minute": 11, "second": 22}
